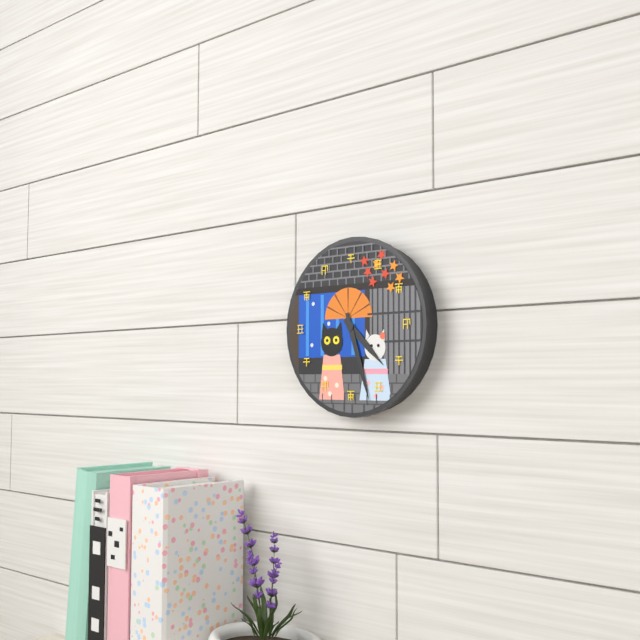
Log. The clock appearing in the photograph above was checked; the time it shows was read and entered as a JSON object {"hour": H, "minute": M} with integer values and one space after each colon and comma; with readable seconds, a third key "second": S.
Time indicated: {"hour": 4, "minute": 27}
